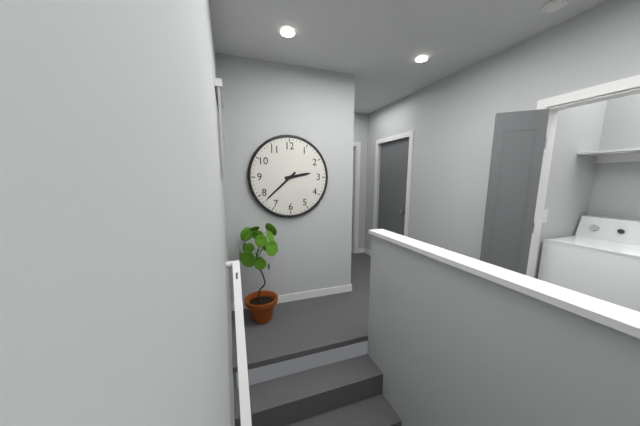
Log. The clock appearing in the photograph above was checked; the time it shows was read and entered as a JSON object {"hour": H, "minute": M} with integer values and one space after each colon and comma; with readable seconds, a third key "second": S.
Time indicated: {"hour": 2, "minute": 38}
